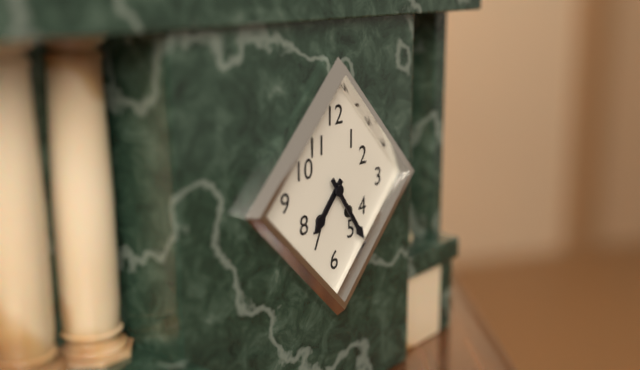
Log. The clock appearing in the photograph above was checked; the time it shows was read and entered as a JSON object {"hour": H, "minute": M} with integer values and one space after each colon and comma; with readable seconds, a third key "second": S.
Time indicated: {"hour": 7, "minute": 24}
